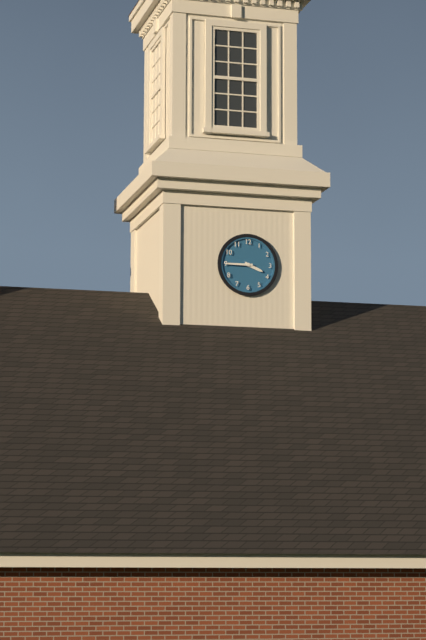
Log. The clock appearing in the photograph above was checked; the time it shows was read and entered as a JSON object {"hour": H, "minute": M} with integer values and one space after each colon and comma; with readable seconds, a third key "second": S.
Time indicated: {"hour": 3, "minute": 45}
